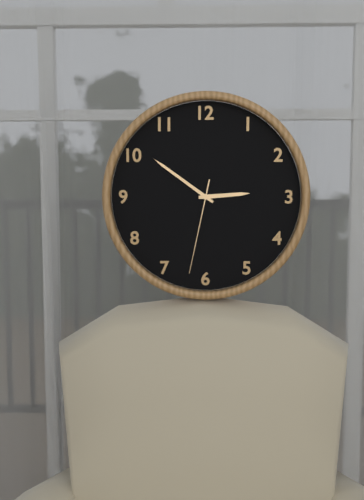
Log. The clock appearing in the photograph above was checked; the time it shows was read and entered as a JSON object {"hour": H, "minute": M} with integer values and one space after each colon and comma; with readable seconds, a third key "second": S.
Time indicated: {"hour": 2, "minute": 51, "second": 32}
